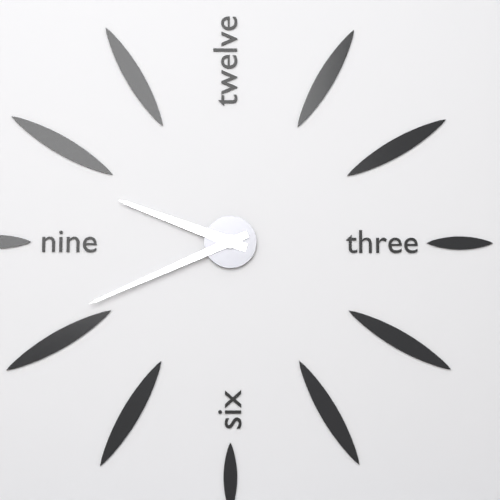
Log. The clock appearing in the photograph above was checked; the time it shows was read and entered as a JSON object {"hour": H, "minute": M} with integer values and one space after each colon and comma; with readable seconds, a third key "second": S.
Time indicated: {"hour": 9, "minute": 41}
